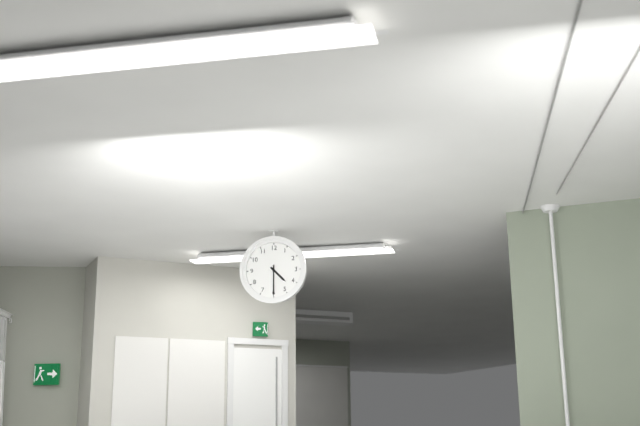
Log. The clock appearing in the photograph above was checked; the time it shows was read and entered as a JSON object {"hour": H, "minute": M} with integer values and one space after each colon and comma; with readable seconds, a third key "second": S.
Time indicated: {"hour": 4, "minute": 30}
